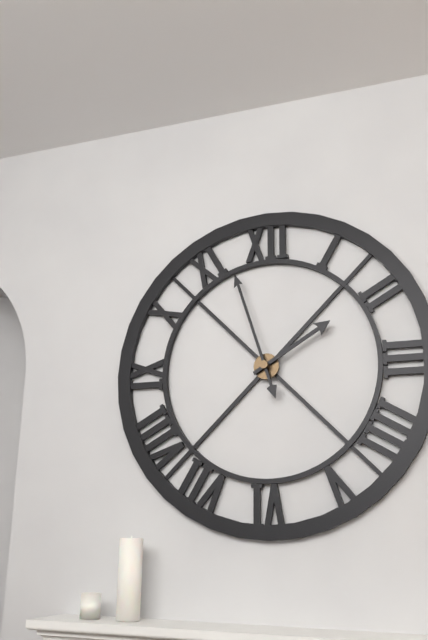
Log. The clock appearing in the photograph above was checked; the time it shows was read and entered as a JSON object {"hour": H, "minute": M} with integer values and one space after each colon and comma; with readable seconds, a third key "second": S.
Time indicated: {"hour": 1, "minute": 57}
